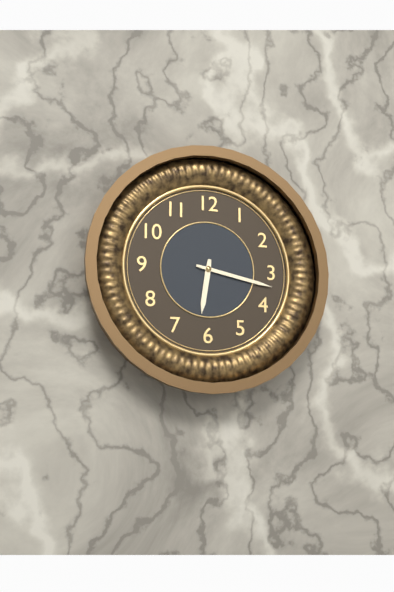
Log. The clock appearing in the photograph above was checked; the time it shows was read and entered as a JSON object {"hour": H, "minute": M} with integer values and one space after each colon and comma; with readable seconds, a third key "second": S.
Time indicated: {"hour": 6, "minute": 17}
